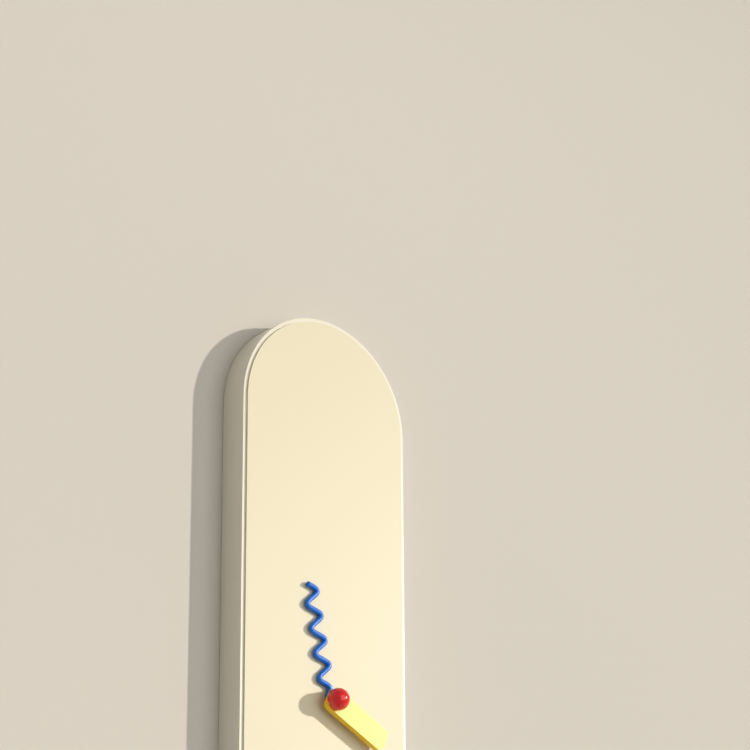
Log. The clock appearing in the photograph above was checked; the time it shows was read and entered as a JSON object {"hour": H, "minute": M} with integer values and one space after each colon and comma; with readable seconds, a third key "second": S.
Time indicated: {"hour": 3, "minute": 58}
